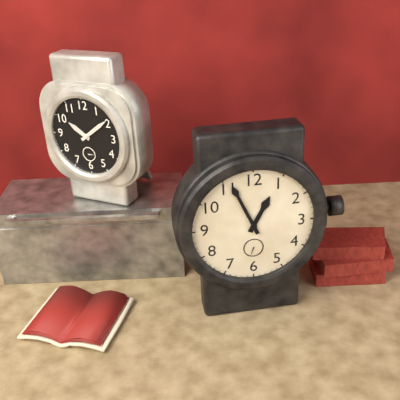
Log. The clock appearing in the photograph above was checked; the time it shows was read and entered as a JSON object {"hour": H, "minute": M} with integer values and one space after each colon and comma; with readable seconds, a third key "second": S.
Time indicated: {"hour": 12, "minute": 56}
